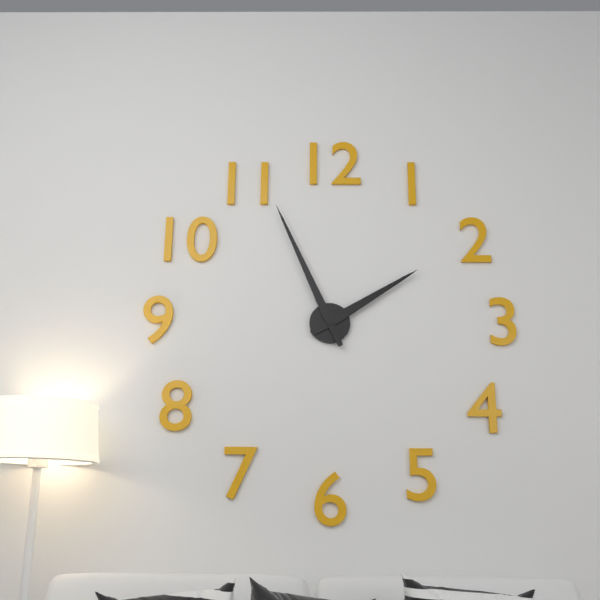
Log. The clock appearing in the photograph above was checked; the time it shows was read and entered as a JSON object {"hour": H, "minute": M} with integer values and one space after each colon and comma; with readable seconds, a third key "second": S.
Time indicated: {"hour": 1, "minute": 56}
